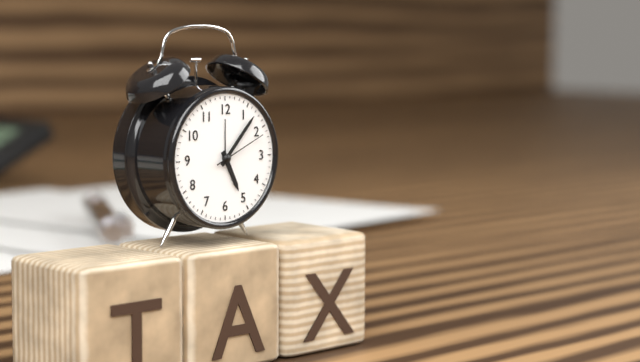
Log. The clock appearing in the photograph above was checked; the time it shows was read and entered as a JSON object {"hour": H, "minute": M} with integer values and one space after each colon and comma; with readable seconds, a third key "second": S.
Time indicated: {"hour": 5, "minute": 7, "second": 11}
